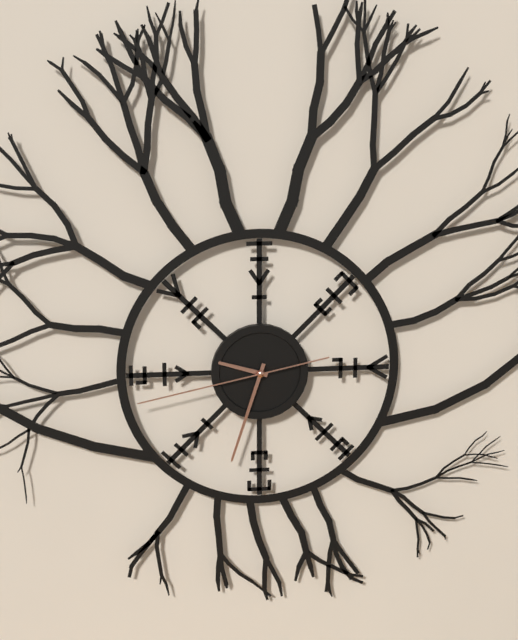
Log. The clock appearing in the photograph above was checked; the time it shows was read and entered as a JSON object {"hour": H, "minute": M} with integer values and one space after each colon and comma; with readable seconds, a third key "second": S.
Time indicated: {"hour": 9, "minute": 33, "second": 43}
